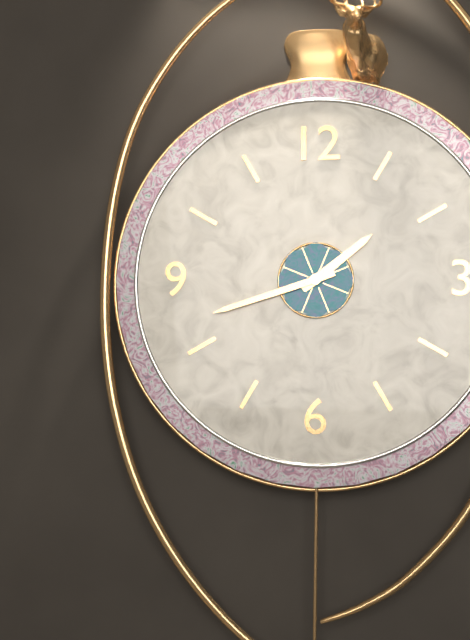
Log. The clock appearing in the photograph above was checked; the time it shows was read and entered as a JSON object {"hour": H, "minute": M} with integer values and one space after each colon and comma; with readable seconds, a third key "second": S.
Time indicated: {"hour": 1, "minute": 42}
